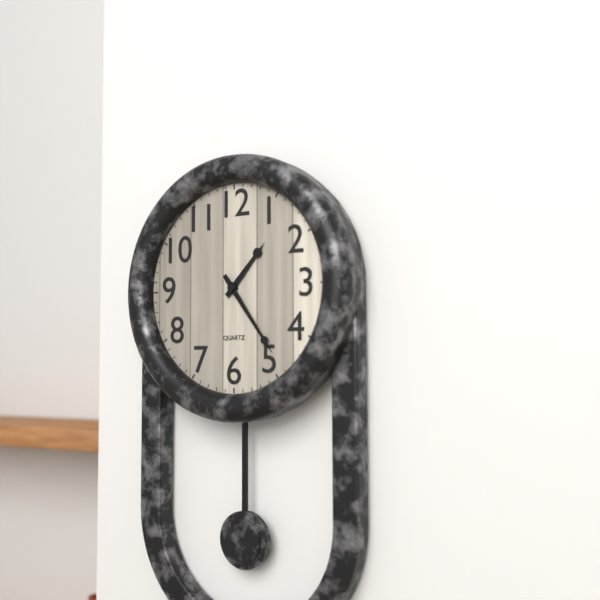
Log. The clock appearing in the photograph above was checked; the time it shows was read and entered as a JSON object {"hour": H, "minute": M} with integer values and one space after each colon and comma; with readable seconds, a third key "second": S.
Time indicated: {"hour": 1, "minute": 24}
